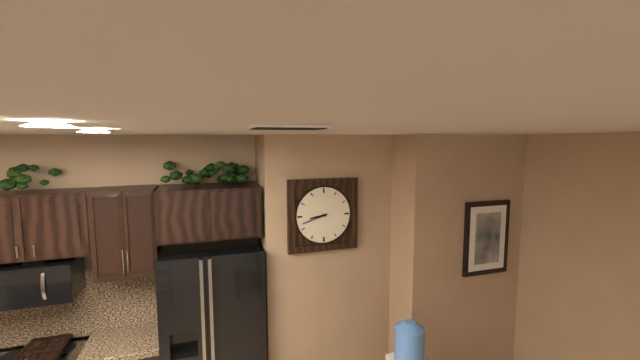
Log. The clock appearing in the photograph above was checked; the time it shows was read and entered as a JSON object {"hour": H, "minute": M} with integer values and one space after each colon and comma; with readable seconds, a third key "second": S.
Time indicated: {"hour": 8, "minute": 42}
